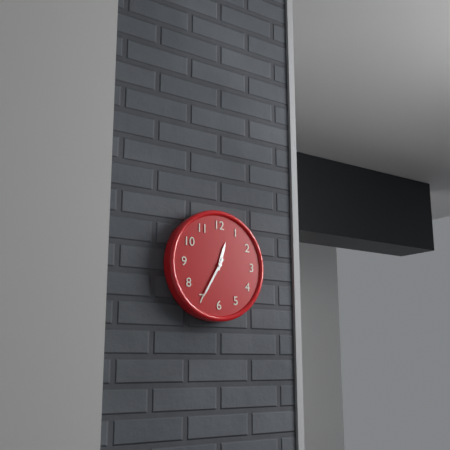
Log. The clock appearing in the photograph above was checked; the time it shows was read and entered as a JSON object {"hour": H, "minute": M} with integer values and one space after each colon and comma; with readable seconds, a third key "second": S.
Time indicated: {"hour": 12, "minute": 35}
